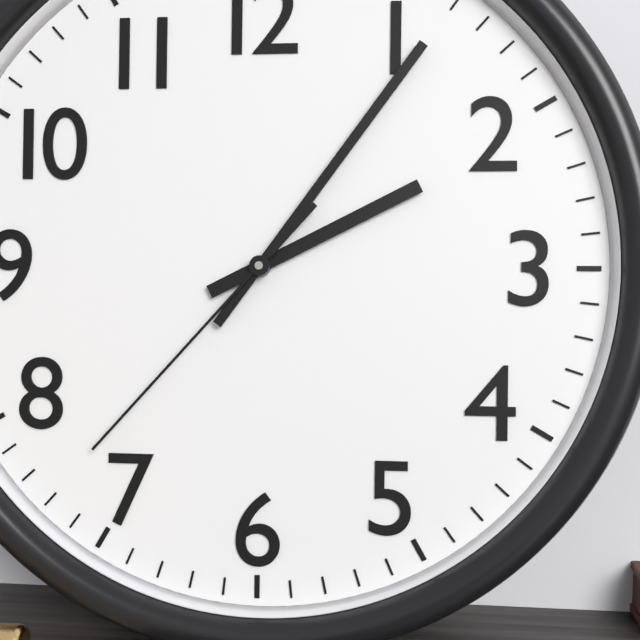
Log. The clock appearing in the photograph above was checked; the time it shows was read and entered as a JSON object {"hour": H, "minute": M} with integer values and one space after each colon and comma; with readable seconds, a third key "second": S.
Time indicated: {"hour": 2, "minute": 6, "second": 37}
